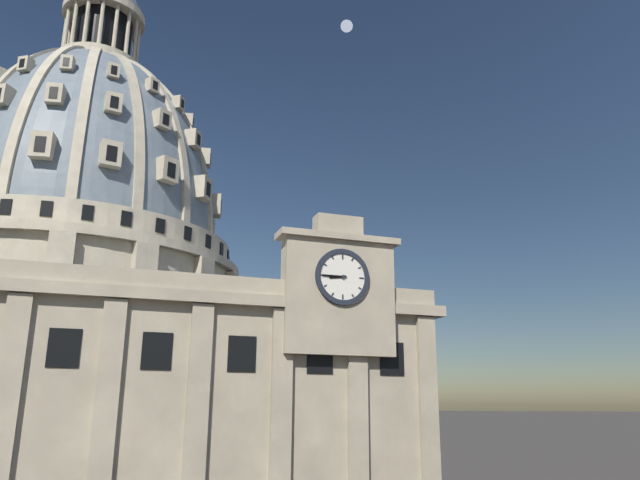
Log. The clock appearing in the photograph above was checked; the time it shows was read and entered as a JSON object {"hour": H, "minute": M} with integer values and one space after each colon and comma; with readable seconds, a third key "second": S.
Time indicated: {"hour": 8, "minute": 45}
